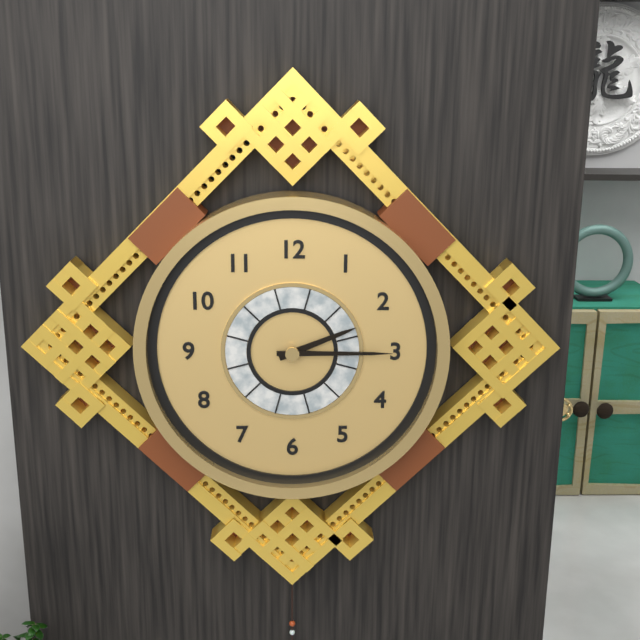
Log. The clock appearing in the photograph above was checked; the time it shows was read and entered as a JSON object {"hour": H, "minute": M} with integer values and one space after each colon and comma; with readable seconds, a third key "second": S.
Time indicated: {"hour": 2, "minute": 15}
